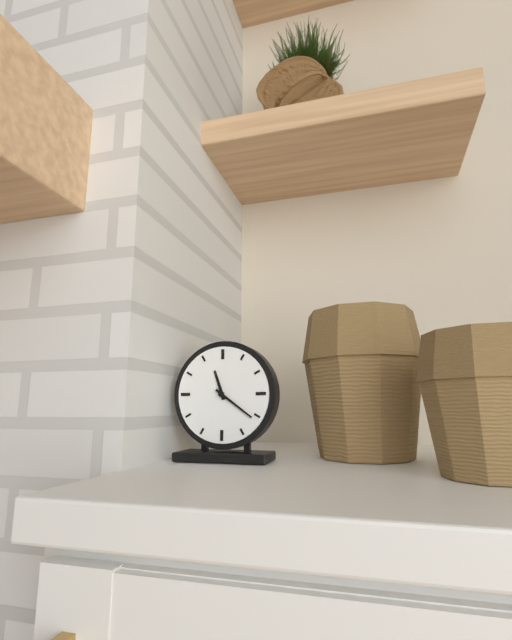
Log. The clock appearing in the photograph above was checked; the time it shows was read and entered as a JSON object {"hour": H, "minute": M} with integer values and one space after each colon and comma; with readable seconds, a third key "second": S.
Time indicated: {"hour": 11, "minute": 21}
